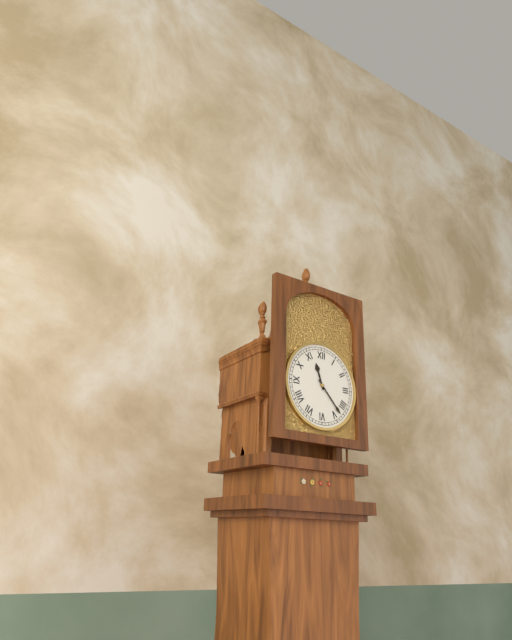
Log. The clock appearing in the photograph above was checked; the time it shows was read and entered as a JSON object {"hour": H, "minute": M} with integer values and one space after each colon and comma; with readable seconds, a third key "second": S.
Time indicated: {"hour": 11, "minute": 23}
